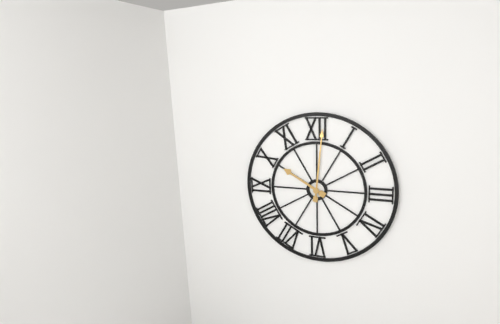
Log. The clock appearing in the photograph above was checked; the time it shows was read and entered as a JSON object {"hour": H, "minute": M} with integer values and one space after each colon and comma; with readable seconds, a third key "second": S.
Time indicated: {"hour": 10, "minute": 1}
